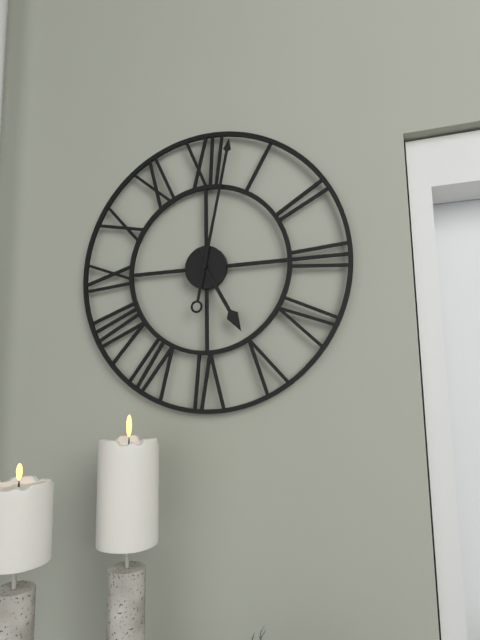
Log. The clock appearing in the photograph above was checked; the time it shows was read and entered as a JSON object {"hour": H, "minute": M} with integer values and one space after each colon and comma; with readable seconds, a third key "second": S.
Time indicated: {"hour": 5, "minute": 2}
